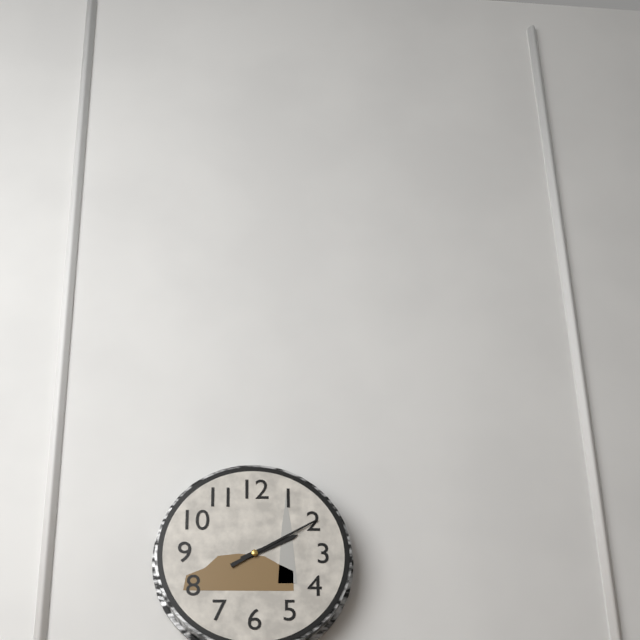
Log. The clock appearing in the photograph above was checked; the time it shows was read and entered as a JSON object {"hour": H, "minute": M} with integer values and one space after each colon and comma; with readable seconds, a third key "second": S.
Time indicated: {"hour": 2, "minute": 10}
